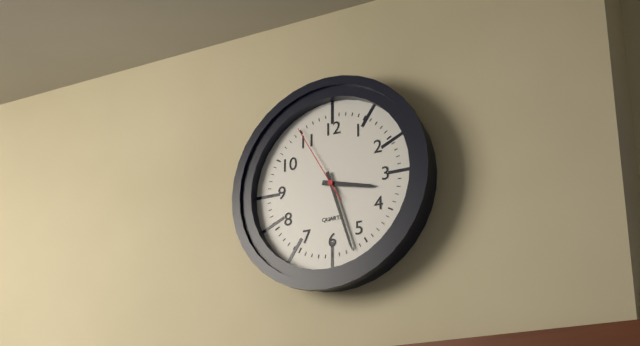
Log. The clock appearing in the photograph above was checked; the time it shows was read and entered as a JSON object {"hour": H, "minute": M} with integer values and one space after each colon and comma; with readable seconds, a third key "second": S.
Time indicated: {"hour": 3, "minute": 27, "second": 55}
